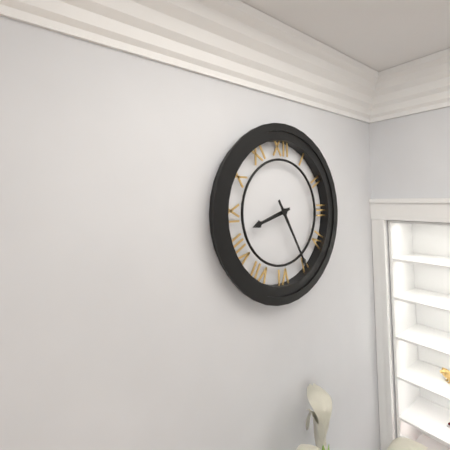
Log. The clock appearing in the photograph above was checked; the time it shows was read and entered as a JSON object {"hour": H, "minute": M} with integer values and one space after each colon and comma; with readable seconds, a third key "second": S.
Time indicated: {"hour": 8, "minute": 25}
